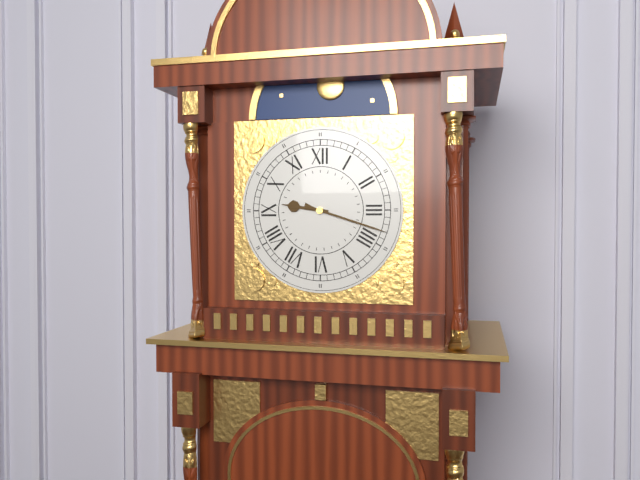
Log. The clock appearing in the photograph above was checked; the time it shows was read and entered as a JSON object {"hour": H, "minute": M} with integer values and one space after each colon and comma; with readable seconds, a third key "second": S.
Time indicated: {"hour": 9, "minute": 18}
